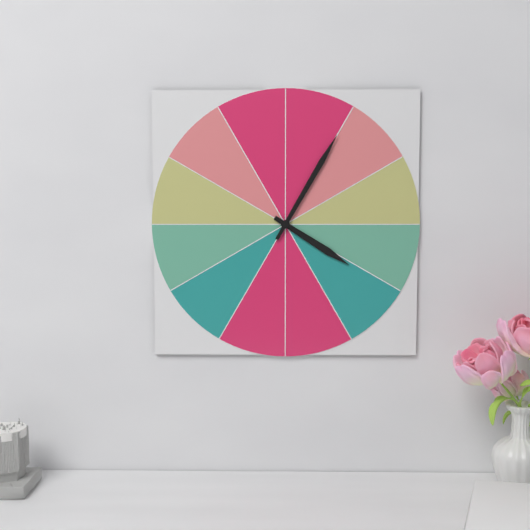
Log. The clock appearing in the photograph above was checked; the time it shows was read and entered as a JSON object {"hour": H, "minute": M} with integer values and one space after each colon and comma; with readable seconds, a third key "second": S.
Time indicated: {"hour": 4, "minute": 5}
